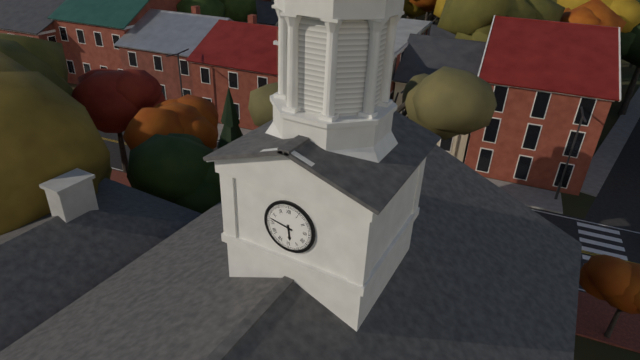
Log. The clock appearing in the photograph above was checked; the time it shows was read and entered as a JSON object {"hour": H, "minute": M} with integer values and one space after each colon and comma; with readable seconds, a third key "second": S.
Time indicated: {"hour": 5, "minute": 47}
